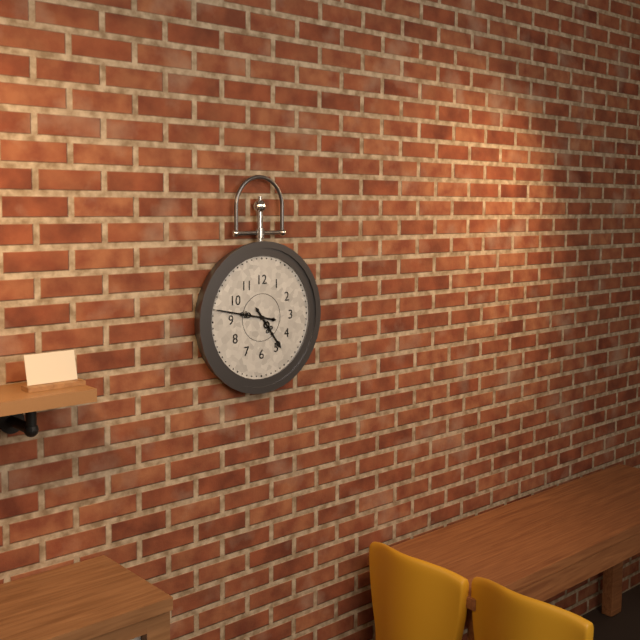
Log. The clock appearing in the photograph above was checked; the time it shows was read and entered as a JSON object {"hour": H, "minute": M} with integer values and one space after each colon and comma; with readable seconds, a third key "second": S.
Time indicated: {"hour": 4, "minute": 47}
